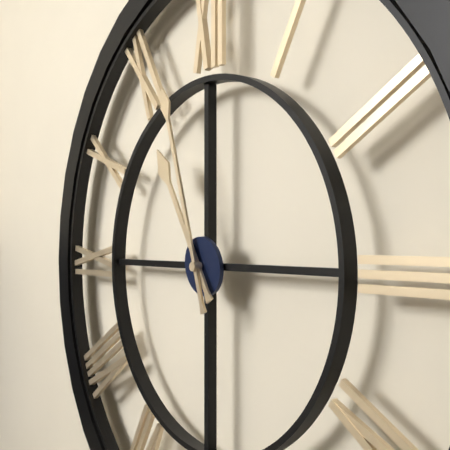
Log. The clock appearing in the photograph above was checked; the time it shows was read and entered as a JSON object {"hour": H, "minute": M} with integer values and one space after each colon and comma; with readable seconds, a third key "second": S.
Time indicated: {"hour": 10, "minute": 57}
